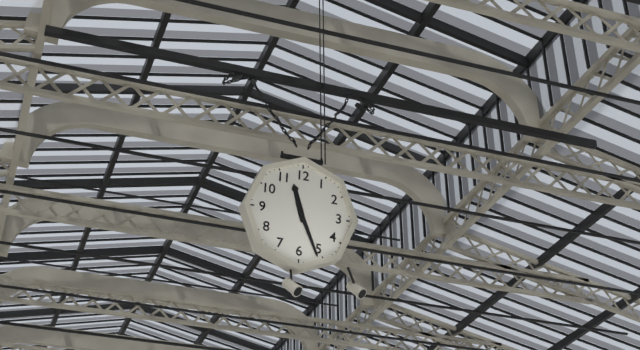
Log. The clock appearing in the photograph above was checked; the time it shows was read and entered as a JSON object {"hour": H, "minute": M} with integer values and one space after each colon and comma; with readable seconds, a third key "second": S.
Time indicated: {"hour": 11, "minute": 26}
